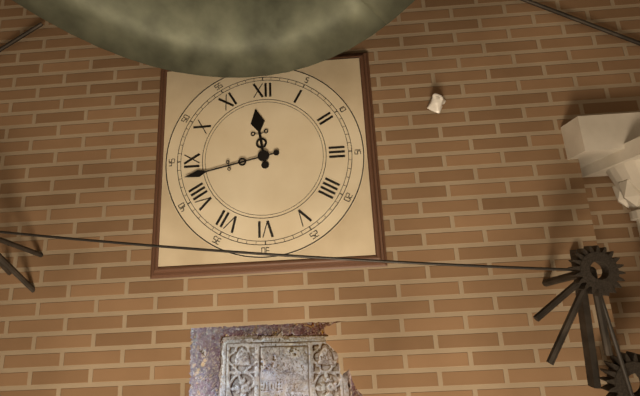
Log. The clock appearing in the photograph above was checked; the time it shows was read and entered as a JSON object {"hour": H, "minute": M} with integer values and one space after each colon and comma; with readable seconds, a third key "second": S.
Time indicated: {"hour": 11, "minute": 43}
